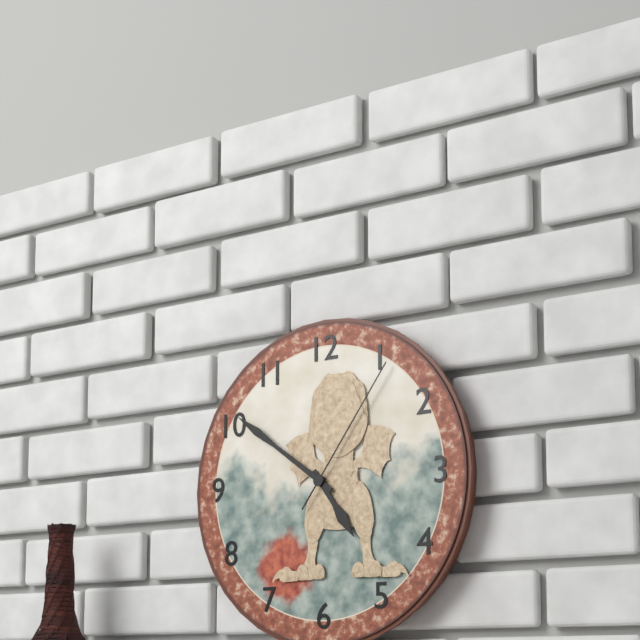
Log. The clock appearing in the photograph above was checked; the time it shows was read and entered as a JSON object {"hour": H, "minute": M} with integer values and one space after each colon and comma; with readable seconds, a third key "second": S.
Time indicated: {"hour": 4, "minute": 51, "second": 6}
